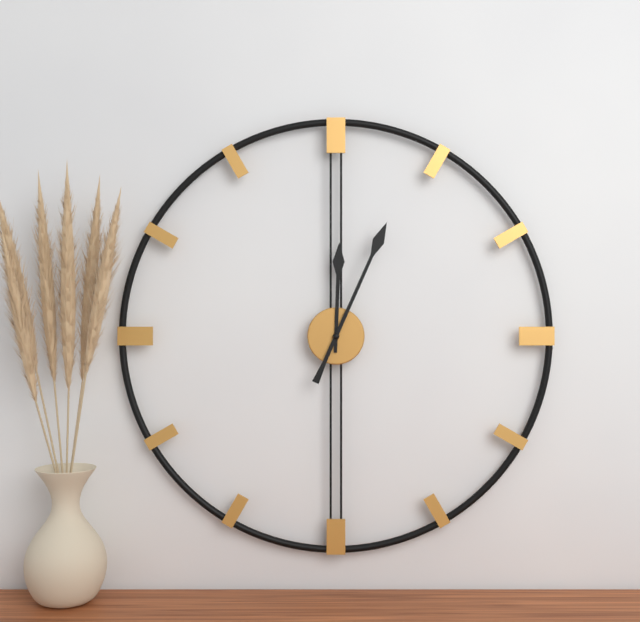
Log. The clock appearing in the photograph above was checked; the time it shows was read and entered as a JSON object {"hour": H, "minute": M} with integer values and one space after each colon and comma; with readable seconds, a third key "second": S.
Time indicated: {"hour": 12, "minute": 4}
